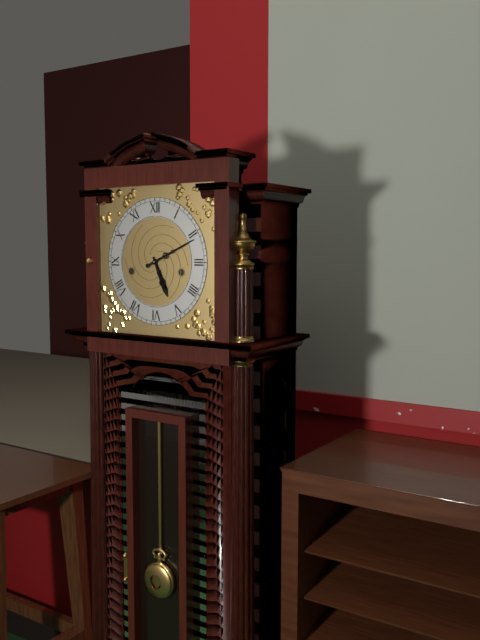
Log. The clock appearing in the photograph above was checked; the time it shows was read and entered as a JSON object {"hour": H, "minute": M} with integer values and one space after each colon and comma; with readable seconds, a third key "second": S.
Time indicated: {"hour": 5, "minute": 11}
